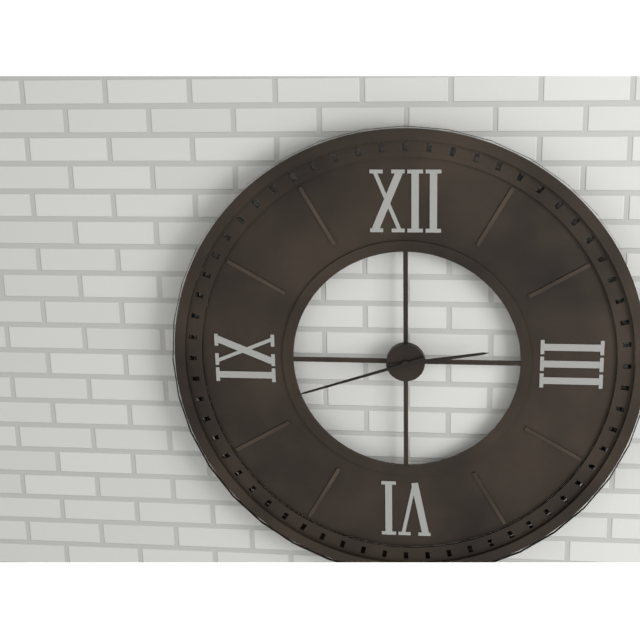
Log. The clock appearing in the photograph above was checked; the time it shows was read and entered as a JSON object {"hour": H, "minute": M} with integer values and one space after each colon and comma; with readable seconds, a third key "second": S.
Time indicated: {"hour": 2, "minute": 42}
